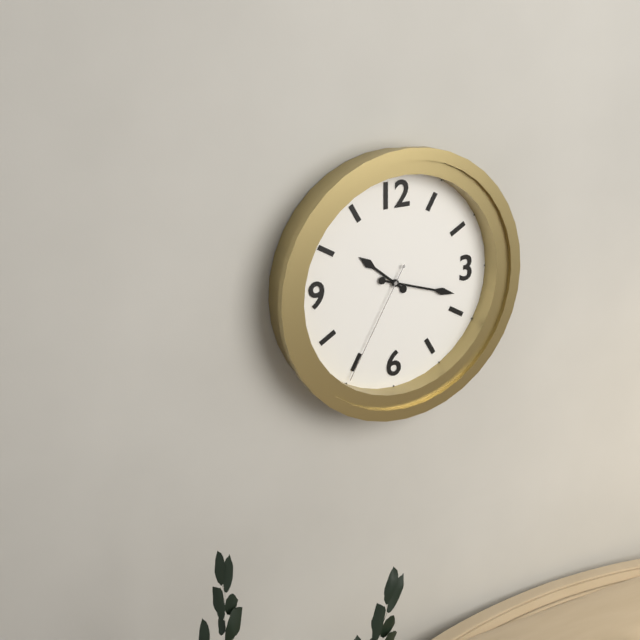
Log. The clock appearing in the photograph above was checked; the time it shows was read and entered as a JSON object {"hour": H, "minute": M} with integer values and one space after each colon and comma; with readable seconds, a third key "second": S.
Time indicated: {"hour": 10, "minute": 18, "second": 35}
